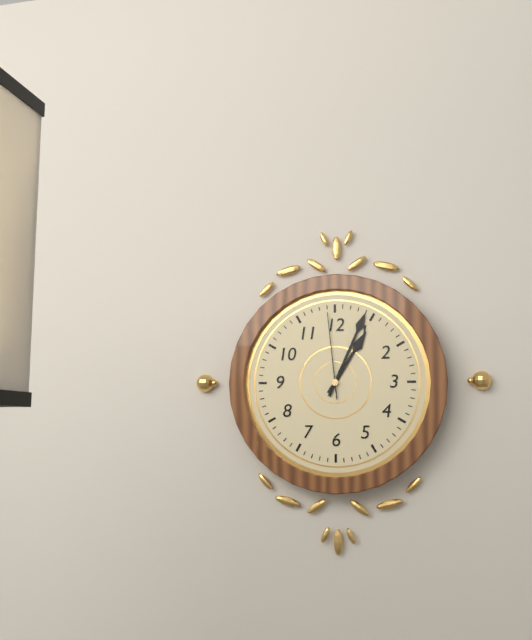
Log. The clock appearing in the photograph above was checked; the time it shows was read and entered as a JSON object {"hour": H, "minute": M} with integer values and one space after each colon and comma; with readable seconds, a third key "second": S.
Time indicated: {"hour": 1, "minute": 4, "second": 59}
